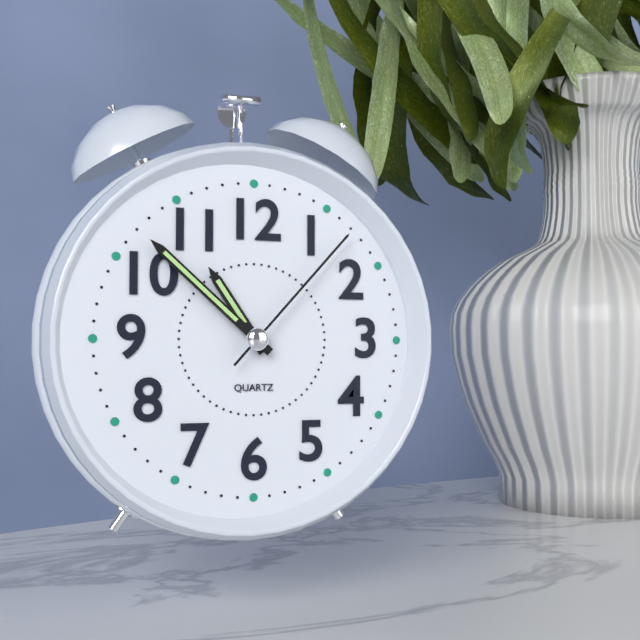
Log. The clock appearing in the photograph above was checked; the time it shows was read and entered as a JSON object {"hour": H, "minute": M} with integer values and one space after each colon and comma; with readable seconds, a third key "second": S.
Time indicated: {"hour": 10, "minute": 52, "second": 7}
